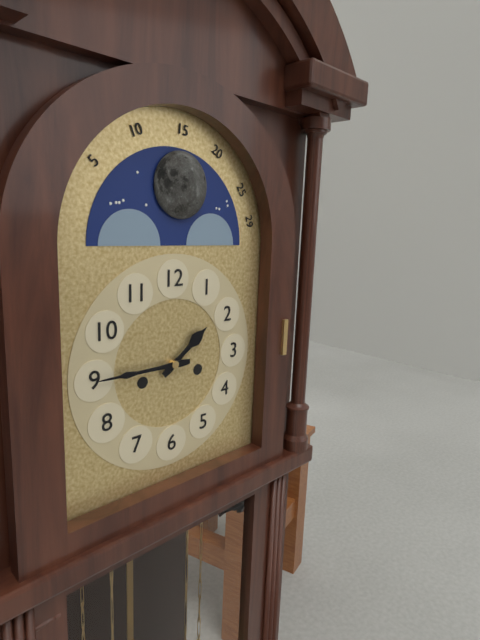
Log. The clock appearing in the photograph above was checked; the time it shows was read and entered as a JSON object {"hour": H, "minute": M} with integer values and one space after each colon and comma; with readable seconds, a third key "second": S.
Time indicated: {"hour": 1, "minute": 45}
